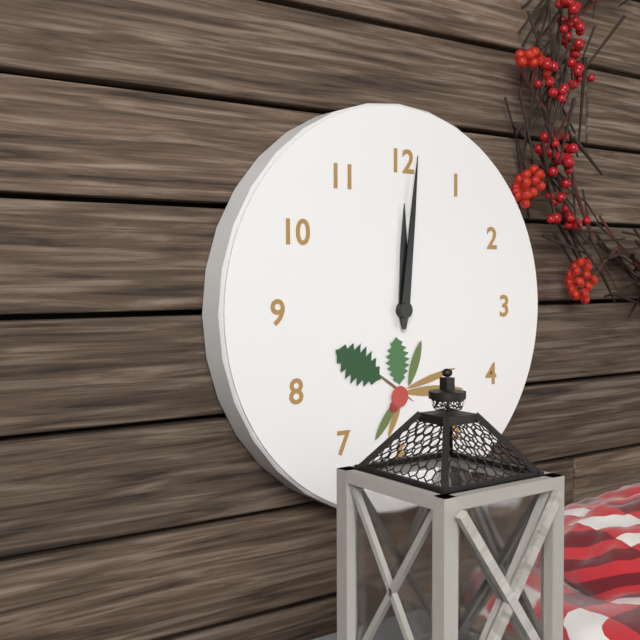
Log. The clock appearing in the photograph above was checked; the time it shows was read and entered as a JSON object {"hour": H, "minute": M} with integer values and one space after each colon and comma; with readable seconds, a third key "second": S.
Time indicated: {"hour": 12, "minute": 1}
